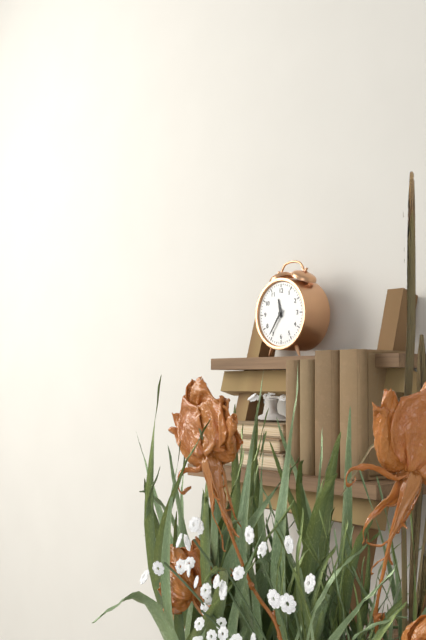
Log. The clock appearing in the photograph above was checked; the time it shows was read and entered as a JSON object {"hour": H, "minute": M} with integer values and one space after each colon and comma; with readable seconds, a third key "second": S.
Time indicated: {"hour": 11, "minute": 36}
